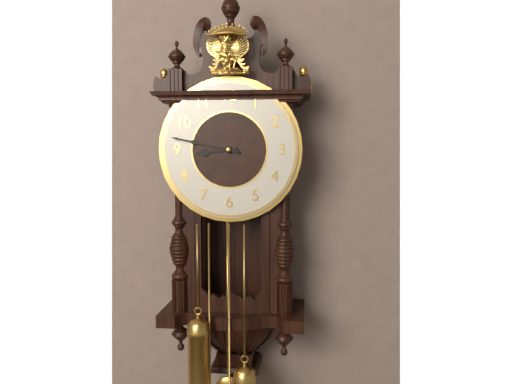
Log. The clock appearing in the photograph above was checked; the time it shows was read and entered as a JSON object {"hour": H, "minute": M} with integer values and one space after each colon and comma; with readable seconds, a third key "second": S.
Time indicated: {"hour": 8, "minute": 47}
